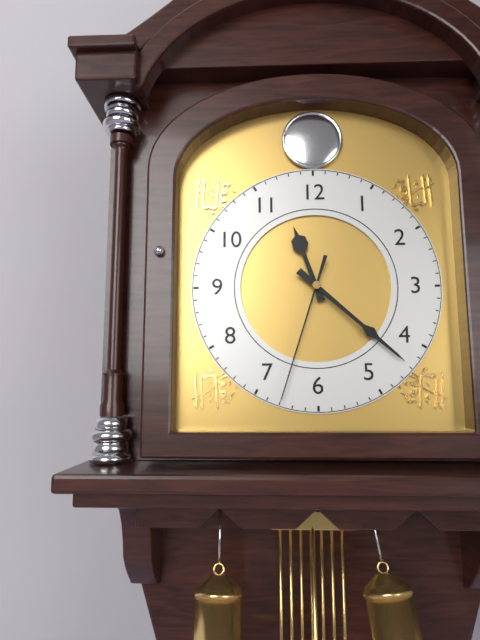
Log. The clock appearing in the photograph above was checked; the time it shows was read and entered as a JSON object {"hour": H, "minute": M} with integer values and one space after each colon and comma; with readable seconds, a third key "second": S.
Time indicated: {"hour": 11, "minute": 22, "second": 33}
